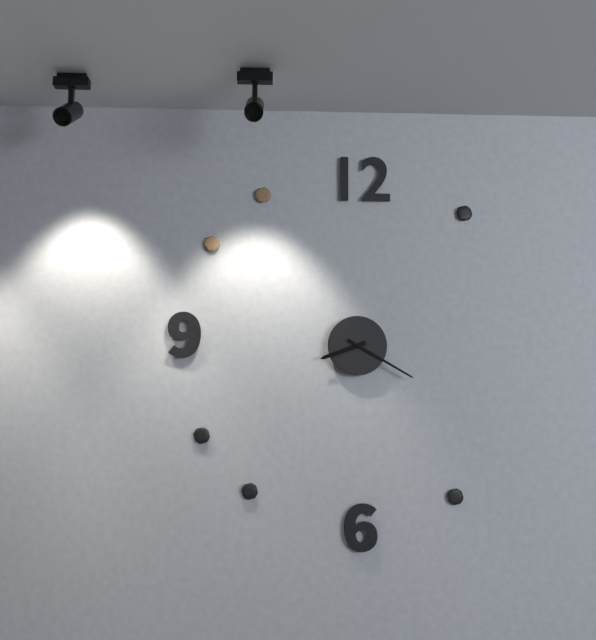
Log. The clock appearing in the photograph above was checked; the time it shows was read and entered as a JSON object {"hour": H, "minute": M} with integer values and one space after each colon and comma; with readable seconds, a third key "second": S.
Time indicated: {"hour": 8, "minute": 20}
